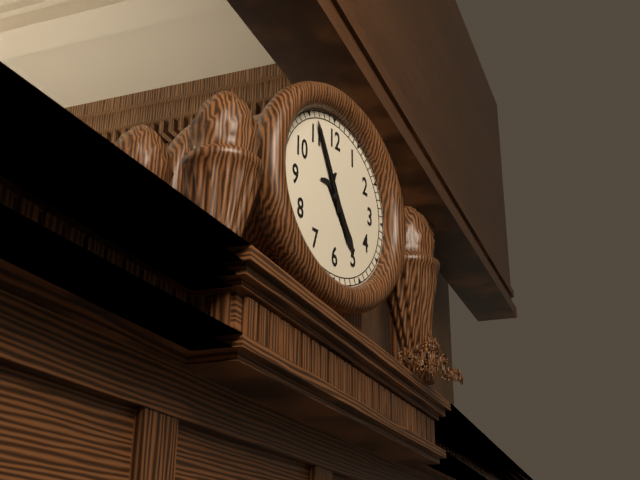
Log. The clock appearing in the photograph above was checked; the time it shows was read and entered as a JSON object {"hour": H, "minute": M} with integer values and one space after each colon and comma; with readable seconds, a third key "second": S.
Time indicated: {"hour": 4, "minute": 56}
